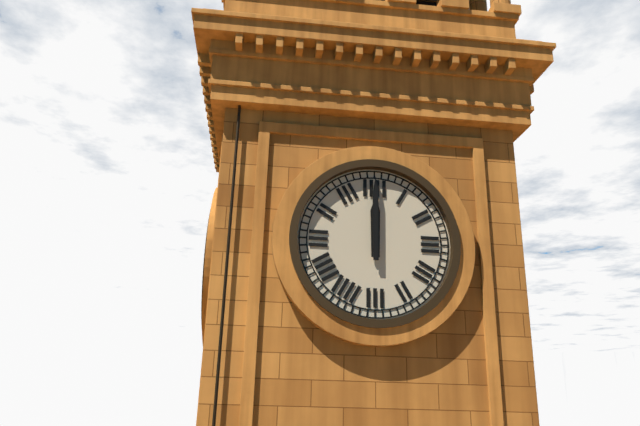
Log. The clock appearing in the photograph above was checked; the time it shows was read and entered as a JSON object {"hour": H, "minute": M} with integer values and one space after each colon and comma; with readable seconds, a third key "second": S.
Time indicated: {"hour": 12, "minute": 0}
